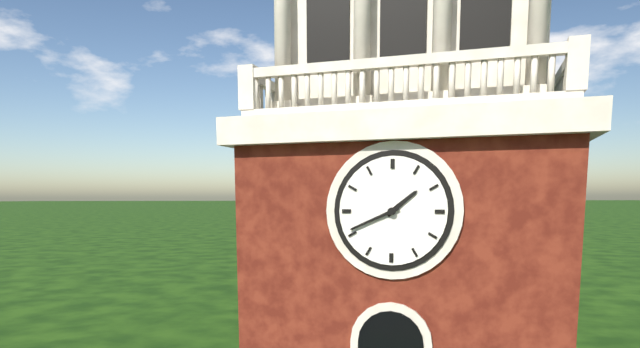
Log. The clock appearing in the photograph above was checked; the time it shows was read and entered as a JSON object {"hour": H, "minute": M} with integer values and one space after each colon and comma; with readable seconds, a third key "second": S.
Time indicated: {"hour": 1, "minute": 41}
